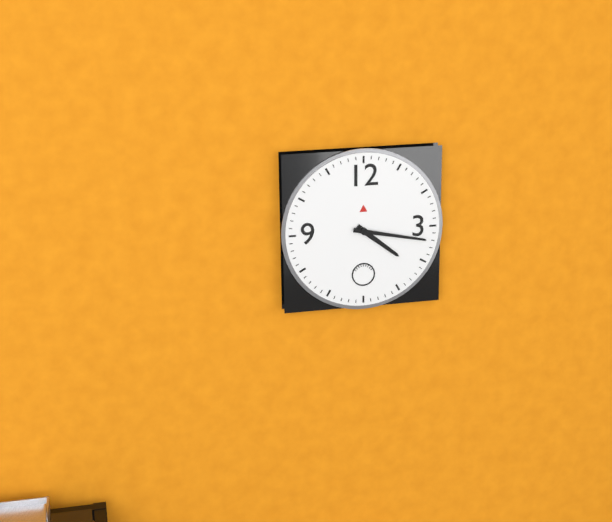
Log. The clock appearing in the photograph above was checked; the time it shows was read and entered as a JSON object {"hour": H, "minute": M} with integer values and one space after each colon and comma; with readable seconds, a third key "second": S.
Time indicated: {"hour": 4, "minute": 17}
